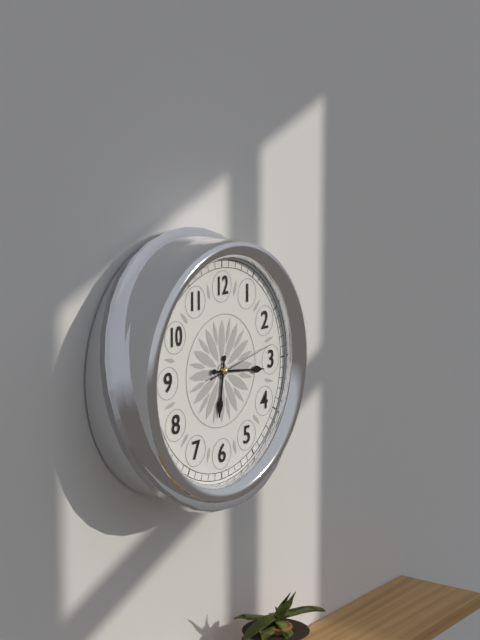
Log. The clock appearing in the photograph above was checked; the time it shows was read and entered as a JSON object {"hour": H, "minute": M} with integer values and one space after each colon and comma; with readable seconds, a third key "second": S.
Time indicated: {"hour": 6, "minute": 16, "second": 13}
